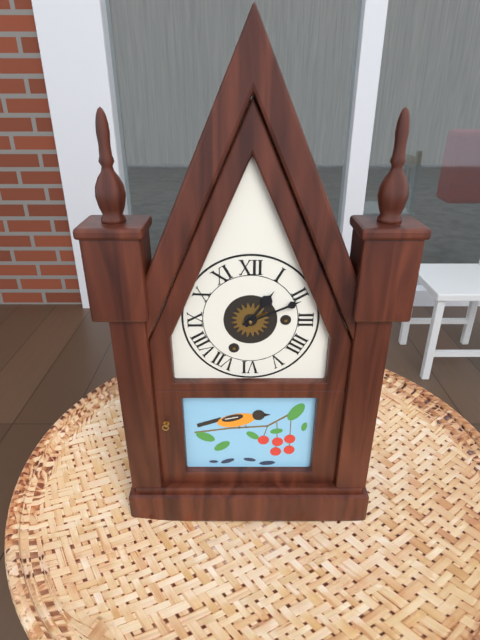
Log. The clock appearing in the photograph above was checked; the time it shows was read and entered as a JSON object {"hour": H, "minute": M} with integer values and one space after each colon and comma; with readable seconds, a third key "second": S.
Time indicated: {"hour": 1, "minute": 11}
